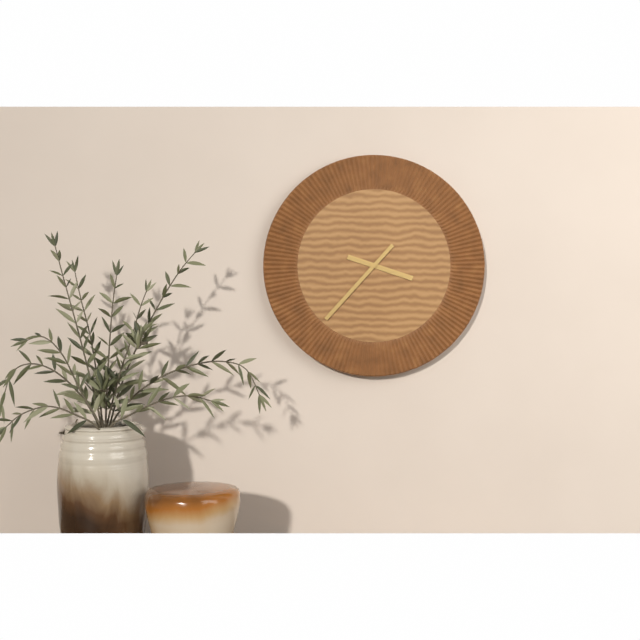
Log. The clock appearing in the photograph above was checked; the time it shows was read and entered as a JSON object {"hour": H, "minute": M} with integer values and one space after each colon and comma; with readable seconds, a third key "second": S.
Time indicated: {"hour": 3, "minute": 37}
